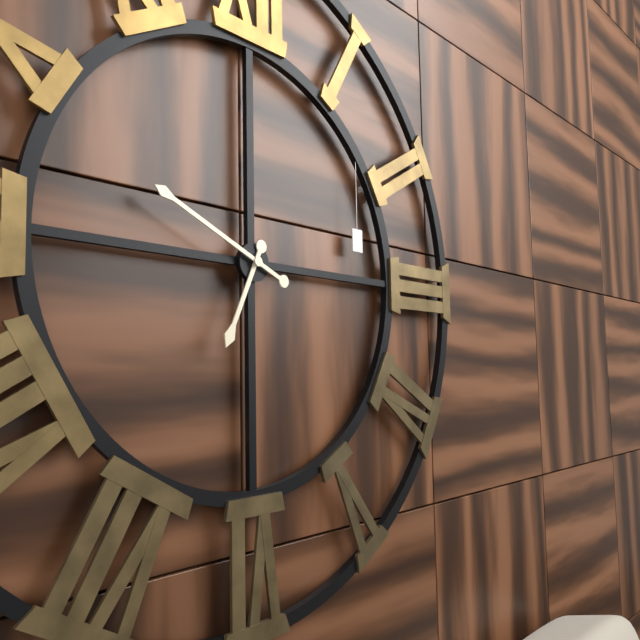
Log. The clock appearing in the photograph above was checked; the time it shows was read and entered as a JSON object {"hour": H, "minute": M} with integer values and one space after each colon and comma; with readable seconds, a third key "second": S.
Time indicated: {"hour": 6, "minute": 49}
